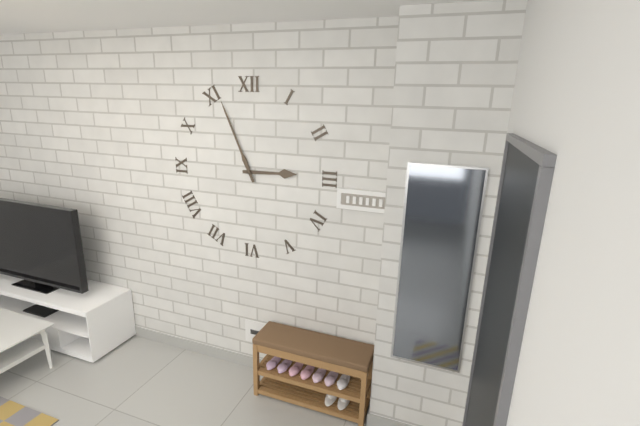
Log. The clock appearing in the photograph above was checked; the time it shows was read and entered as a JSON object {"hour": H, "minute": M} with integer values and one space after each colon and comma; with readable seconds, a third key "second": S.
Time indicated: {"hour": 2, "minute": 56}
